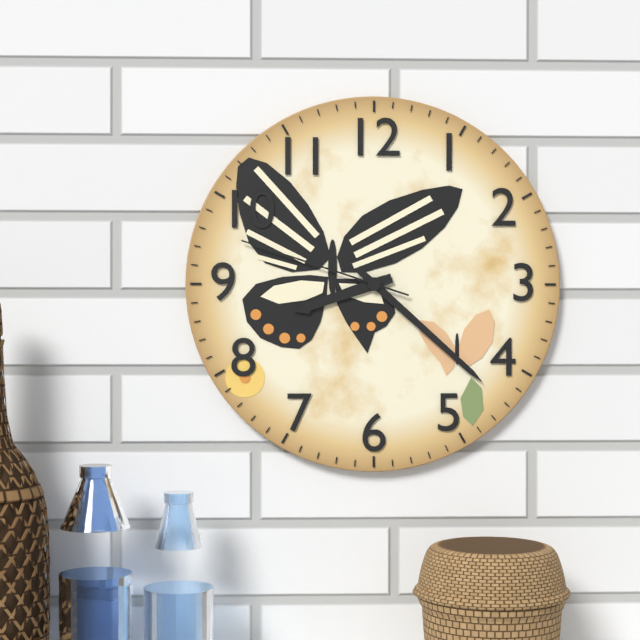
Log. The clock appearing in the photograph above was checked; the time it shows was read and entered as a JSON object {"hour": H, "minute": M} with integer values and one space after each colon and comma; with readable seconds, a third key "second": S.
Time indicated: {"hour": 8, "minute": 22, "second": 48}
